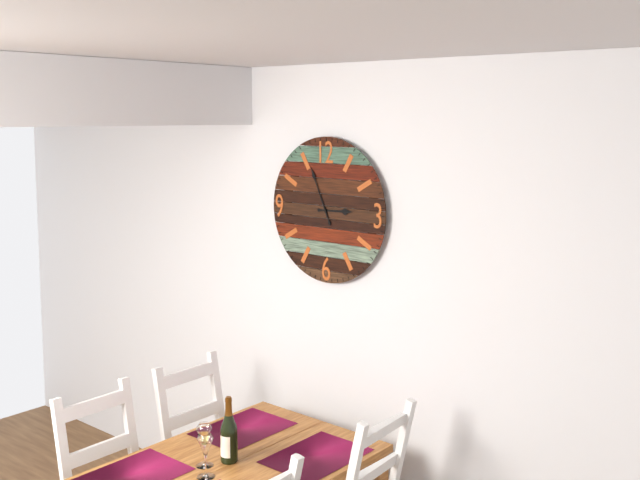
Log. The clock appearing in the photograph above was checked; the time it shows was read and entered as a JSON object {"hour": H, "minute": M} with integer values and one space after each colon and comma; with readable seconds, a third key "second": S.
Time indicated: {"hour": 2, "minute": 56}
